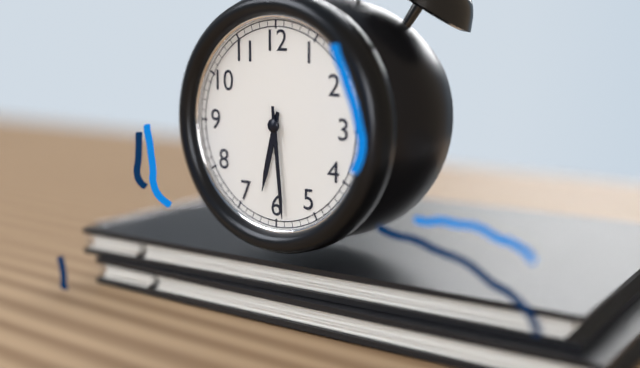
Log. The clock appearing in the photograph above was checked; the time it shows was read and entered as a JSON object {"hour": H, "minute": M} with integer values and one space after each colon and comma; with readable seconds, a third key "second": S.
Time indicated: {"hour": 6, "minute": 29}
